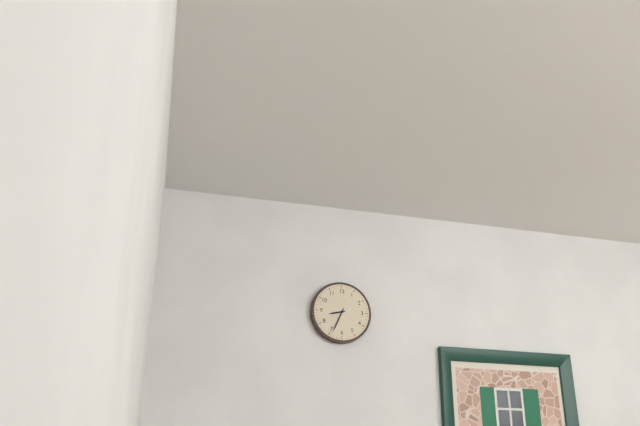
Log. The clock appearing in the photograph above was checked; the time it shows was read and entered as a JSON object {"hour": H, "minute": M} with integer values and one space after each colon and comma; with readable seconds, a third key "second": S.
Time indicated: {"hour": 8, "minute": 34}
